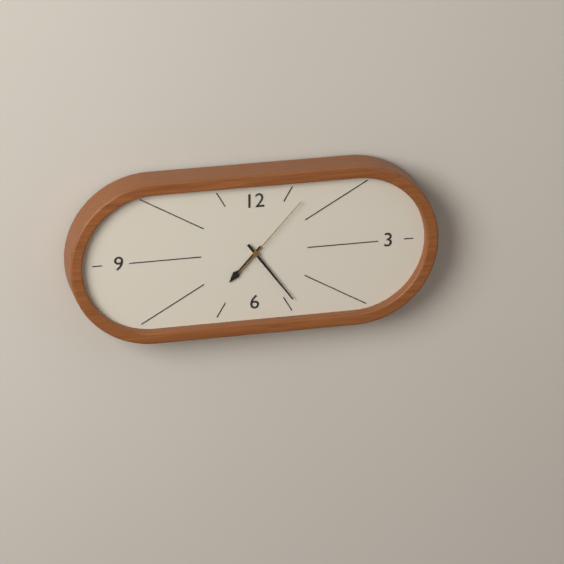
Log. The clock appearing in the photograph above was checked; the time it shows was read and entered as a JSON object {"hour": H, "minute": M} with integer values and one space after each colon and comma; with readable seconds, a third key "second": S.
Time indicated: {"hour": 7, "minute": 24, "second": 7}
